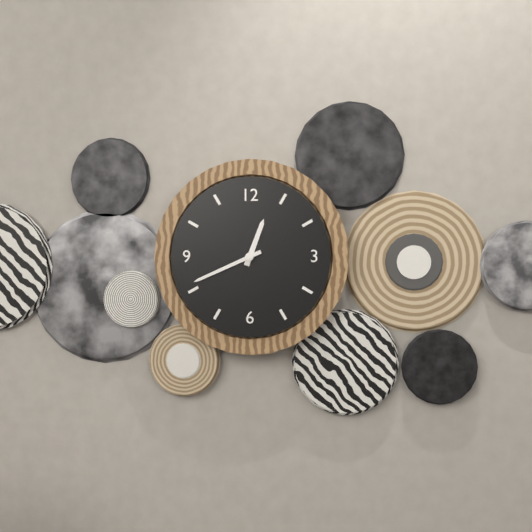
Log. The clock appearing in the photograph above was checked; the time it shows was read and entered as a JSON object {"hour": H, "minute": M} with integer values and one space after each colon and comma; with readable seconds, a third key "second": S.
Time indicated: {"hour": 12, "minute": 41}
